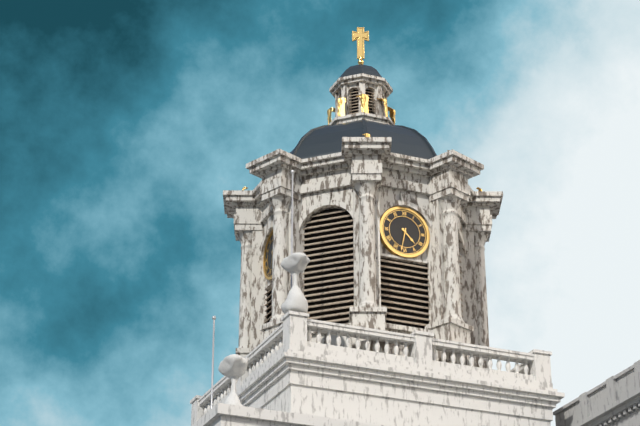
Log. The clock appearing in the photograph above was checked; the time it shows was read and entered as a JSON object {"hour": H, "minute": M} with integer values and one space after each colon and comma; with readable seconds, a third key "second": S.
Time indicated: {"hour": 4, "minute": 32}
